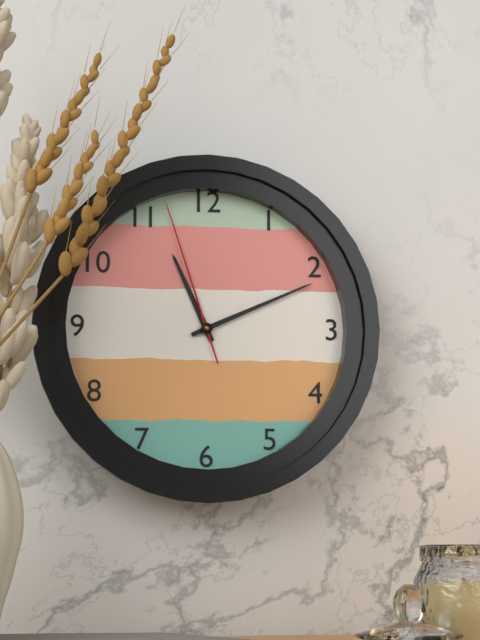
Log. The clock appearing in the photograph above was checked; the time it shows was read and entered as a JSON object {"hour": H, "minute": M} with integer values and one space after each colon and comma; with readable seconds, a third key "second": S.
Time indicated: {"hour": 11, "minute": 11, "second": 57}
